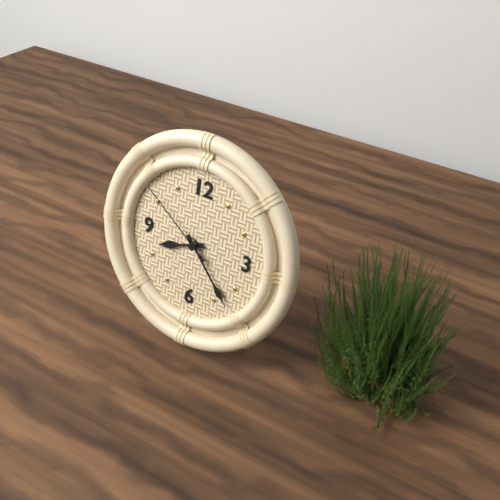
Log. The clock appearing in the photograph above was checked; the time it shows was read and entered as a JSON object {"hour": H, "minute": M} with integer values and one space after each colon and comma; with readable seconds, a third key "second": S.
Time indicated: {"hour": 8, "minute": 23, "second": 51}
